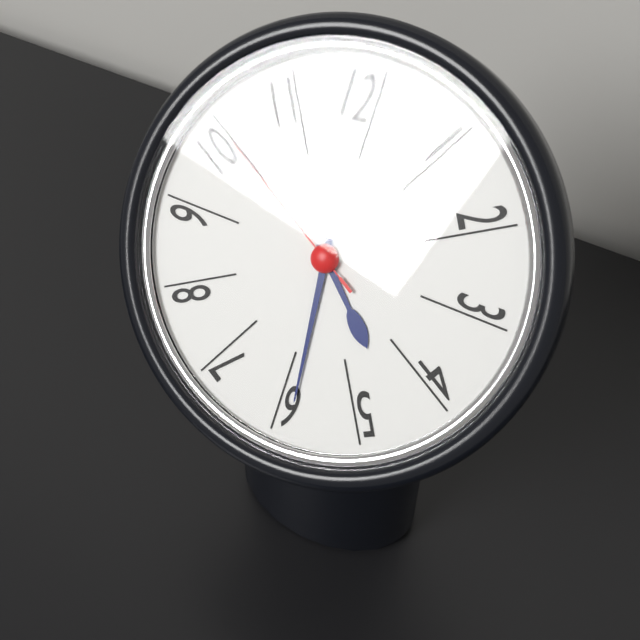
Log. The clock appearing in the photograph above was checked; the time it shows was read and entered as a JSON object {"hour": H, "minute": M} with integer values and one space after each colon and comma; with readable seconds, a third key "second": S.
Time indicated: {"hour": 4, "minute": 29, "second": 50}
